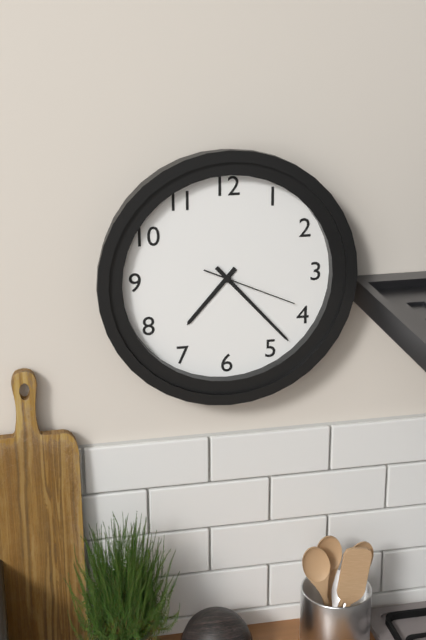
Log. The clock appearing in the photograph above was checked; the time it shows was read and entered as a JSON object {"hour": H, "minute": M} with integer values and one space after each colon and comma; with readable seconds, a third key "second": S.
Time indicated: {"hour": 7, "minute": 23, "second": 19}
